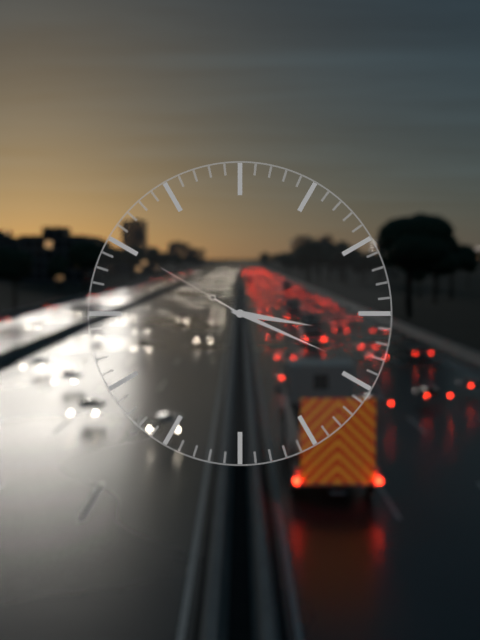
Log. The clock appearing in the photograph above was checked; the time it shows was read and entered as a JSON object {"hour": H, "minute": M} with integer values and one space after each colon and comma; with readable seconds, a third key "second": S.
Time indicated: {"hour": 3, "minute": 19, "second": 50}
